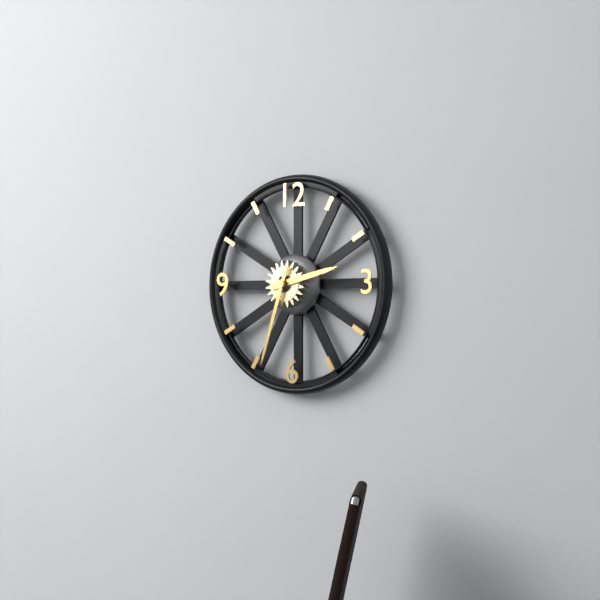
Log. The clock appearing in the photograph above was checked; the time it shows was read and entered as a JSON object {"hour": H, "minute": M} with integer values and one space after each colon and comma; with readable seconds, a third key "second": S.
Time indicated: {"hour": 2, "minute": 33}
